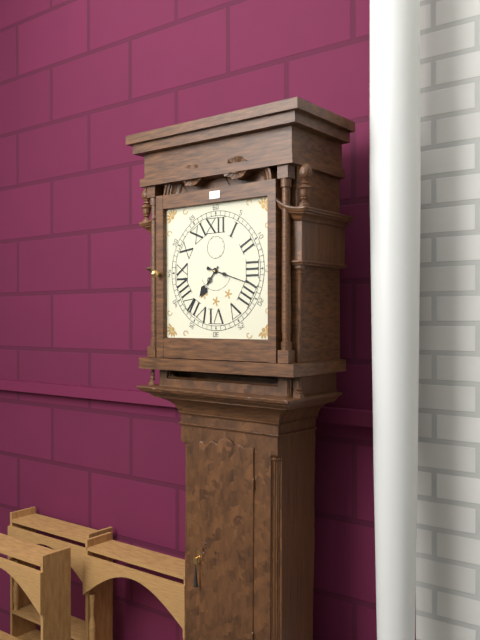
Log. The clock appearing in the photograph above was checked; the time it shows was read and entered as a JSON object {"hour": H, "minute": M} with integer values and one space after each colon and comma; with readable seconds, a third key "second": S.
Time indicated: {"hour": 7, "minute": 18}
